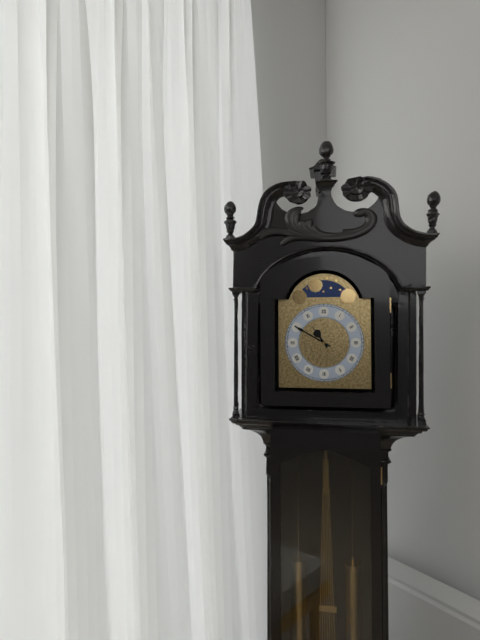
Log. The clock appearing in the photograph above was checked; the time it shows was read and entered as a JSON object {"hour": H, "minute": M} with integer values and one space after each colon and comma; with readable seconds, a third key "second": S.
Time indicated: {"hour": 10, "minute": 50}
